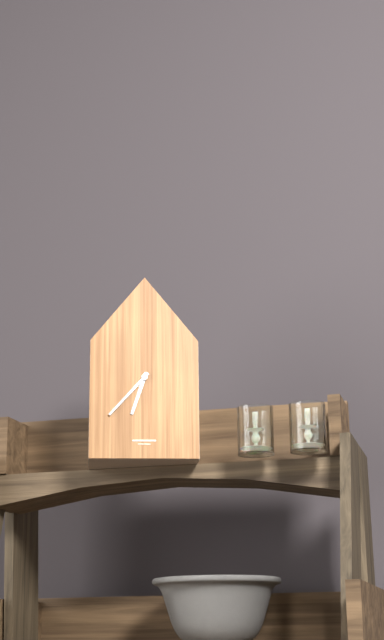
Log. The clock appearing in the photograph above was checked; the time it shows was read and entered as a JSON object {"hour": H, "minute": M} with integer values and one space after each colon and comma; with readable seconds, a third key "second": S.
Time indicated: {"hour": 6, "minute": 37}
